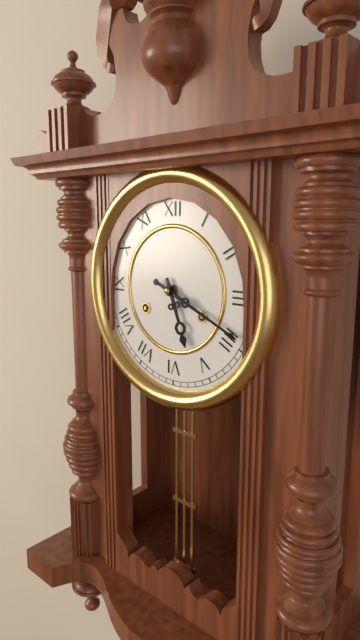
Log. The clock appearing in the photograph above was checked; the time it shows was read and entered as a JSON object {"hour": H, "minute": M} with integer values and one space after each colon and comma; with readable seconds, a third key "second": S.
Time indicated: {"hour": 5, "minute": 19}
